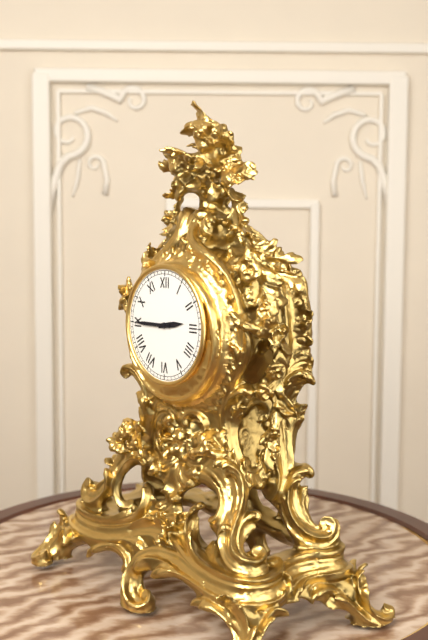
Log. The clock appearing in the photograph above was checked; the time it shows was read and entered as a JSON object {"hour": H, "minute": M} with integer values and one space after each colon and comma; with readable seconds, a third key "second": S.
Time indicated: {"hour": 2, "minute": 45}
